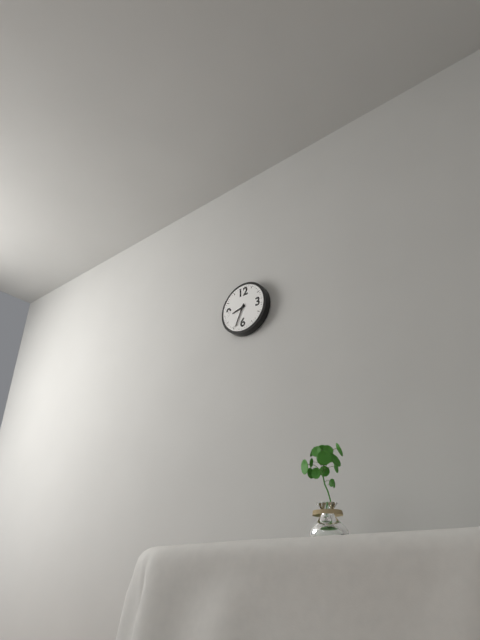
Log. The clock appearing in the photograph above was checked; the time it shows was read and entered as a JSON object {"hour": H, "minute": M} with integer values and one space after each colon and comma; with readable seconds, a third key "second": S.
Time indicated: {"hour": 8, "minute": 34}
